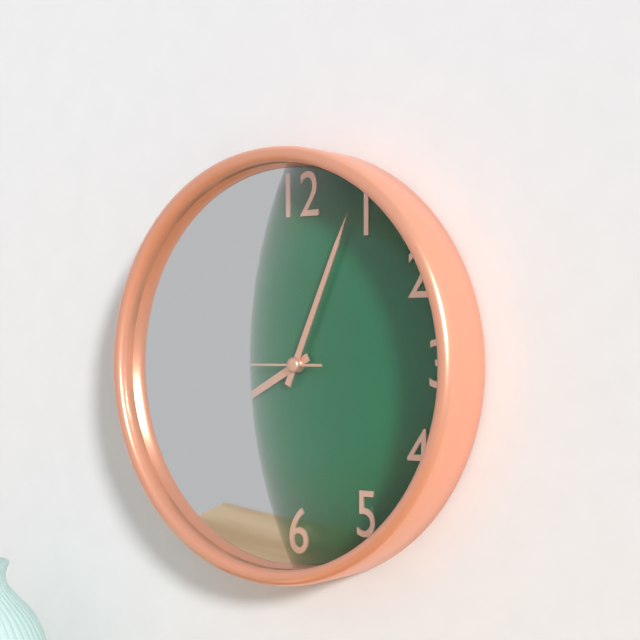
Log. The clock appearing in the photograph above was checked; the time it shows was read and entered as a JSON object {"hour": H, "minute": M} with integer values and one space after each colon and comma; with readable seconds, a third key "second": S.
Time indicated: {"hour": 8, "minute": 4, "second": 45}
